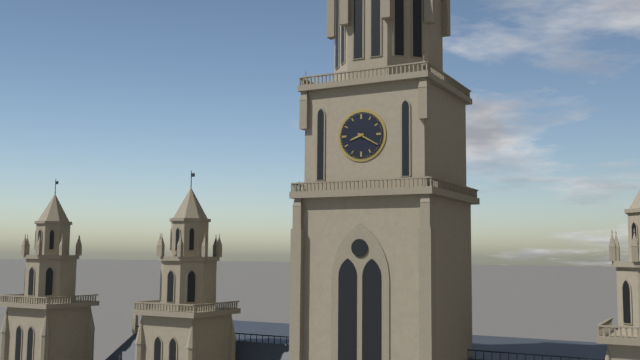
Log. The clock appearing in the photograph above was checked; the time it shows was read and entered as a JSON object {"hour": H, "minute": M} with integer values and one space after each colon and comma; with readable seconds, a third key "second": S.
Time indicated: {"hour": 8, "minute": 20}
